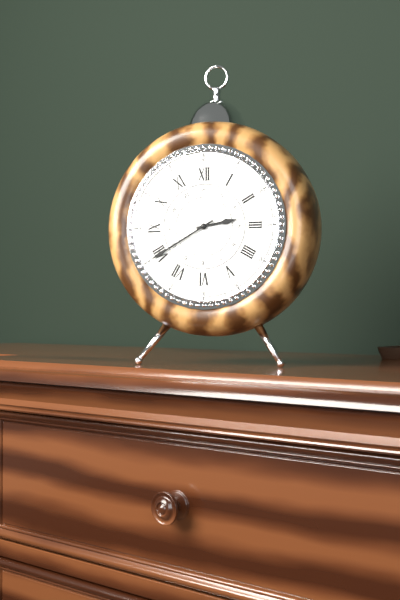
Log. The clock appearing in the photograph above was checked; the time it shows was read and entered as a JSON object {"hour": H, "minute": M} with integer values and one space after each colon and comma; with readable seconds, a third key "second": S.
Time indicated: {"hour": 2, "minute": 40}
